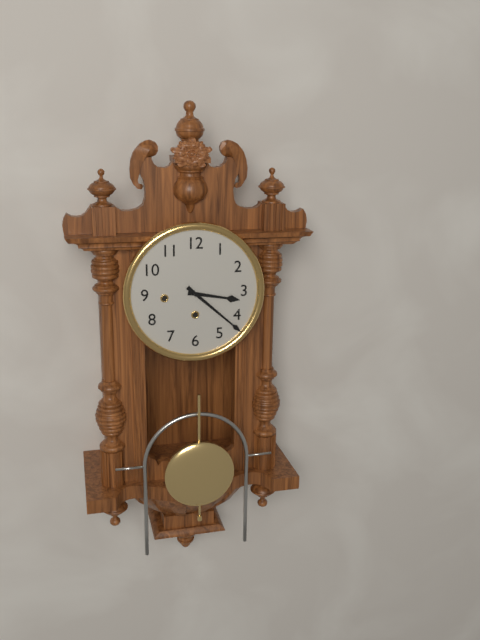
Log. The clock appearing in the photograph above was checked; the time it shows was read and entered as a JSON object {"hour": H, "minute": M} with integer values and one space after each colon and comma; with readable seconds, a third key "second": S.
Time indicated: {"hour": 3, "minute": 22}
